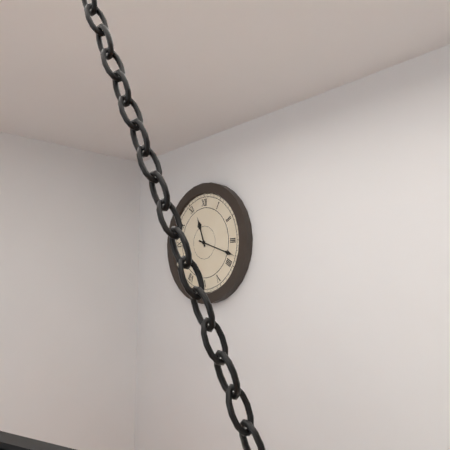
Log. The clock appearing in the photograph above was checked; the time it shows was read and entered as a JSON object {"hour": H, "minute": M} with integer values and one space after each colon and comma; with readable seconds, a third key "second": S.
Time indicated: {"hour": 11, "minute": 18}
